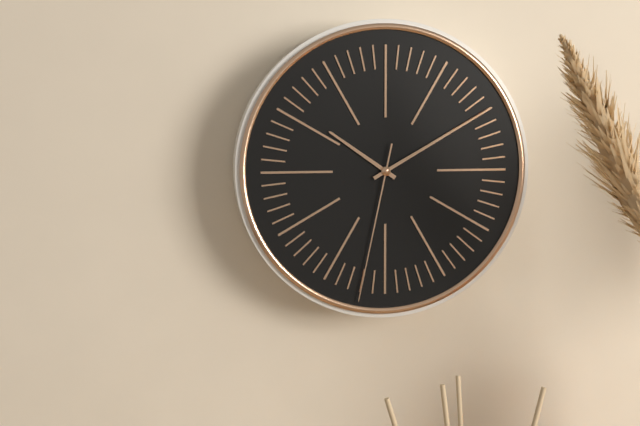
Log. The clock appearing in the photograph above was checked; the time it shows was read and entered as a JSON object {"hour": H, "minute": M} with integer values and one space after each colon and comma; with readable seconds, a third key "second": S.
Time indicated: {"hour": 10, "minute": 10, "second": 32}
